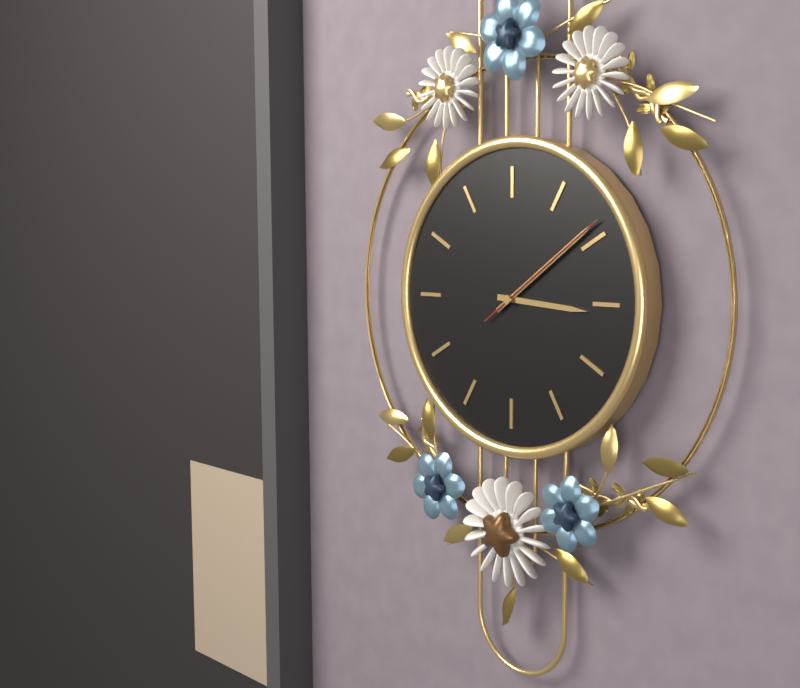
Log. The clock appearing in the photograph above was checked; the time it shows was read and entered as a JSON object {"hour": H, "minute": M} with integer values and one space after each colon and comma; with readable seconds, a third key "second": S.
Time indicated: {"hour": 3, "minute": 9, "second": 9}
